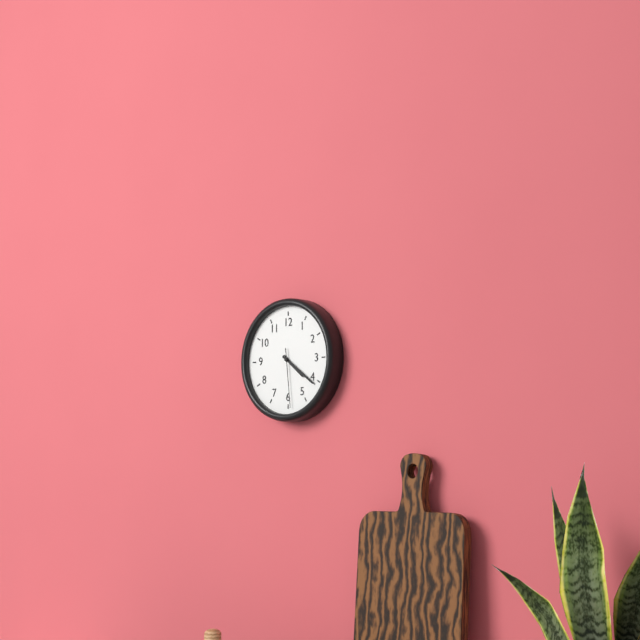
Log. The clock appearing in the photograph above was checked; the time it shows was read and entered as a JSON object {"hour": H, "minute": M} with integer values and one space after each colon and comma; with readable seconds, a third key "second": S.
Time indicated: {"hour": 4, "minute": 21, "second": 29}
